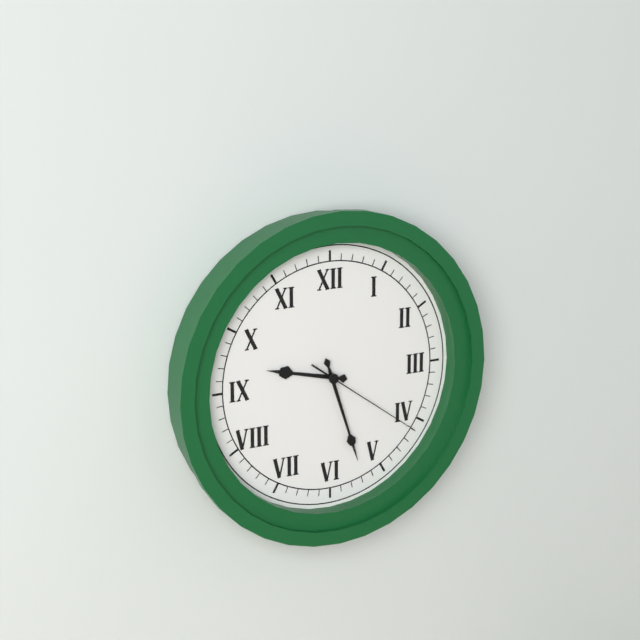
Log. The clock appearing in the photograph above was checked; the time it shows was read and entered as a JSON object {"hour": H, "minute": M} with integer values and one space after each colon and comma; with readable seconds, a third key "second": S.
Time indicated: {"hour": 9, "minute": 27, "second": 21}
